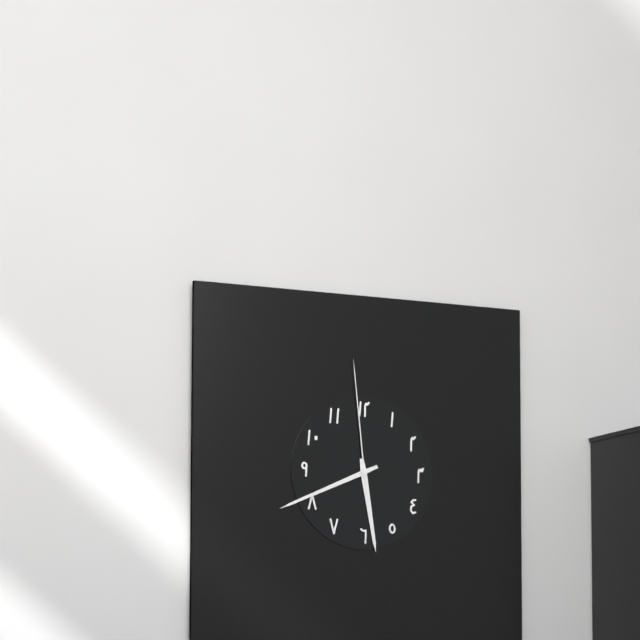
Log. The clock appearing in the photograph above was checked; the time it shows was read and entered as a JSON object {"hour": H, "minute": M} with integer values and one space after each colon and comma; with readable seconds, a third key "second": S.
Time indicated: {"hour": 5, "minute": 41, "second": 59}
